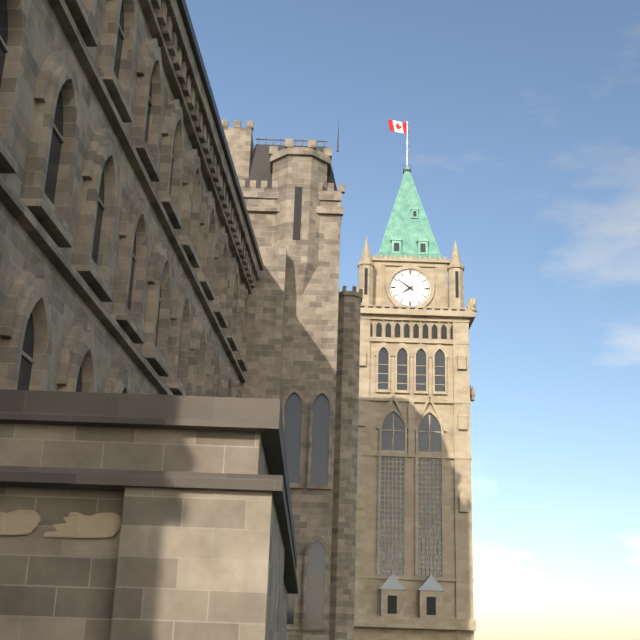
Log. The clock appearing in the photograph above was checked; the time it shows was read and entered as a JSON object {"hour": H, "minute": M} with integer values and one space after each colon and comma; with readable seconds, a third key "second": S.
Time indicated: {"hour": 7, "minute": 51}
